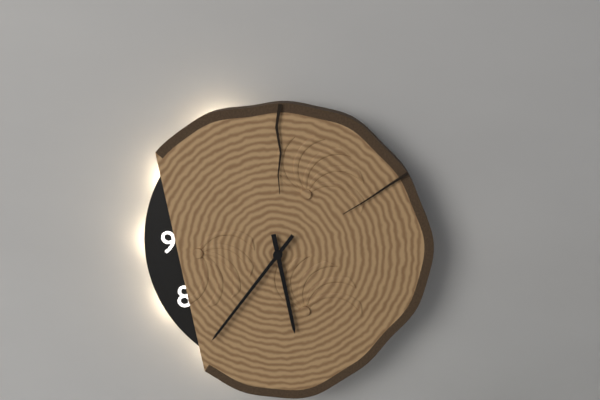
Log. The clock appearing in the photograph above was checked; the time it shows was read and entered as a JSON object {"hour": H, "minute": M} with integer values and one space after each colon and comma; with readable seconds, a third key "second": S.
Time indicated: {"hour": 5, "minute": 36}
